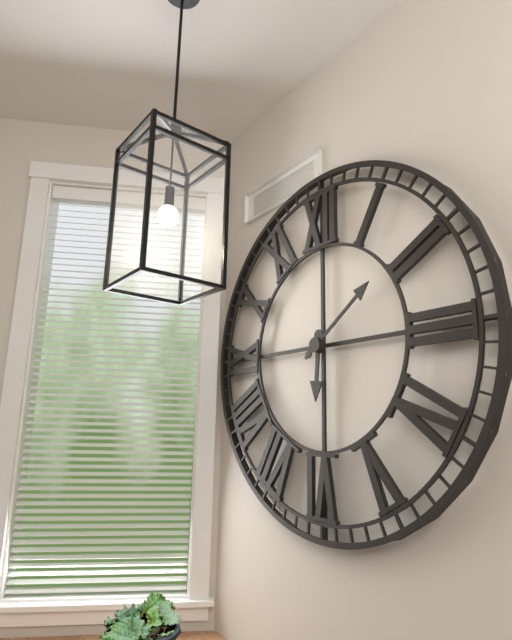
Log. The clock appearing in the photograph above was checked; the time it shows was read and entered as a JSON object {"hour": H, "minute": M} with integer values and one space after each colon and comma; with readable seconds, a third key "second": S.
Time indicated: {"hour": 6, "minute": 9}
